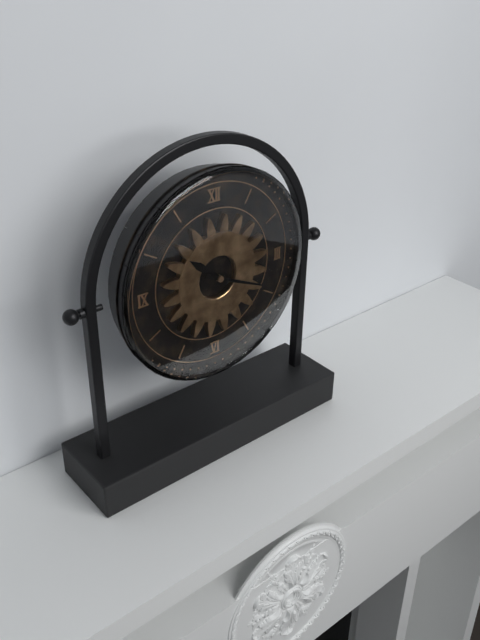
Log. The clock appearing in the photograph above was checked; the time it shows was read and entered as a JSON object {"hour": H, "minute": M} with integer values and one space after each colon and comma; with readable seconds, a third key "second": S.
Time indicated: {"hour": 10, "minute": 19}
